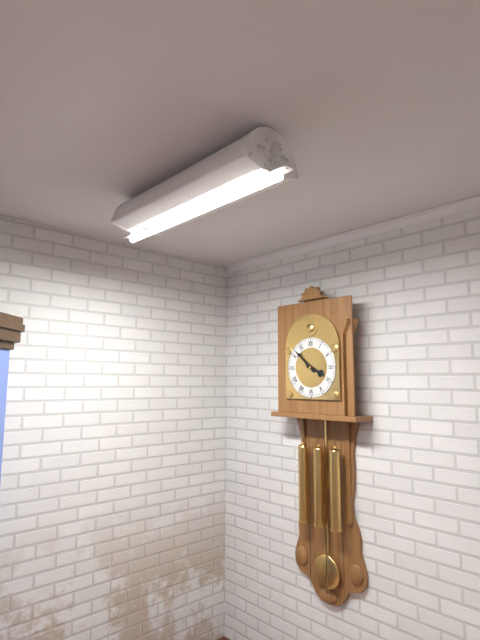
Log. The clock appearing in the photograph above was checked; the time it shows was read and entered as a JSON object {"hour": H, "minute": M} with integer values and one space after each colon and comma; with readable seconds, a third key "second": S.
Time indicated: {"hour": 3, "minute": 52}
